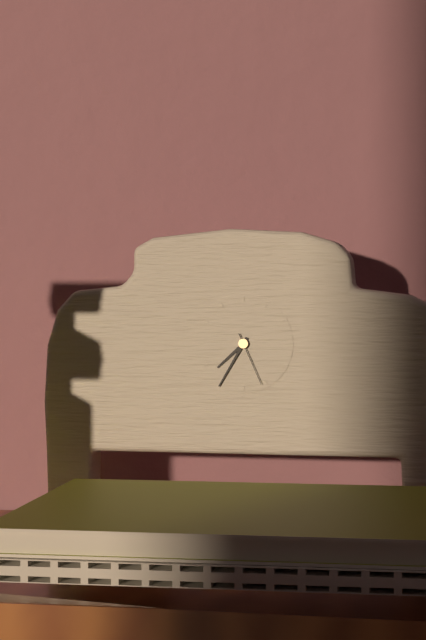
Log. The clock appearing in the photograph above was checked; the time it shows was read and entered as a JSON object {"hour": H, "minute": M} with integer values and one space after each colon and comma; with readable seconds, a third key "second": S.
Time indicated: {"hour": 7, "minute": 35, "second": 26}
